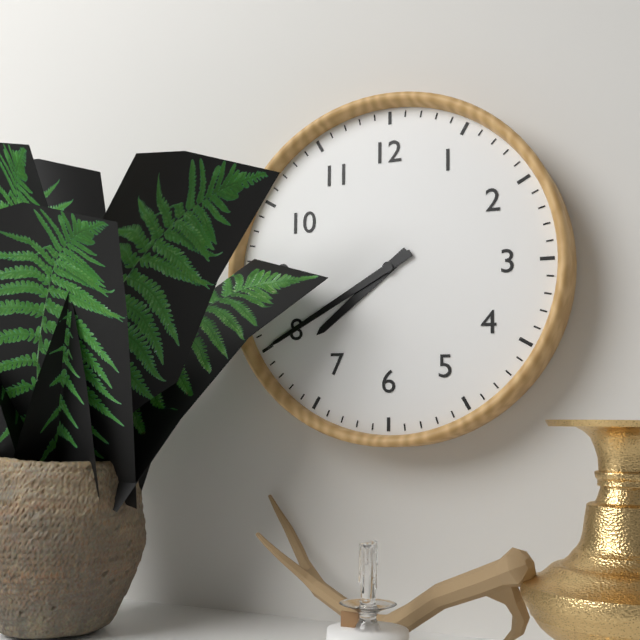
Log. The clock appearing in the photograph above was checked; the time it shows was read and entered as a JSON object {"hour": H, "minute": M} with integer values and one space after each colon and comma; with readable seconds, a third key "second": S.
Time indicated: {"hour": 7, "minute": 40}
